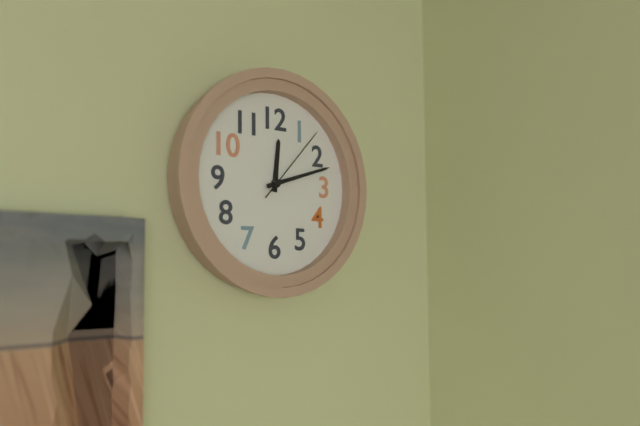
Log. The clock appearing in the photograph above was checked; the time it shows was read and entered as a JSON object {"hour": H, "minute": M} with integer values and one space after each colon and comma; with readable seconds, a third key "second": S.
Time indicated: {"hour": 12, "minute": 12, "second": 7}
